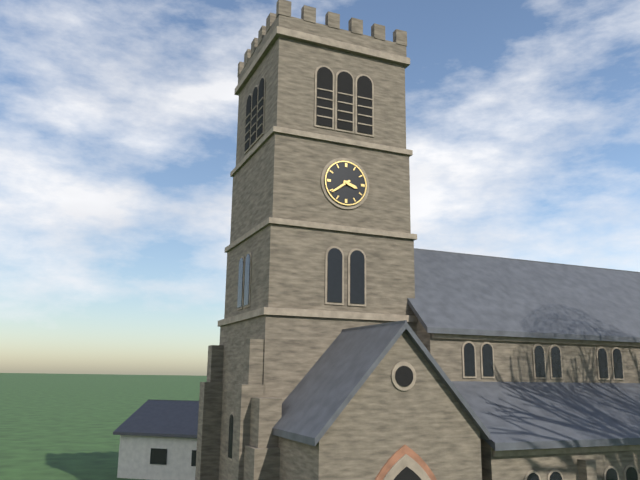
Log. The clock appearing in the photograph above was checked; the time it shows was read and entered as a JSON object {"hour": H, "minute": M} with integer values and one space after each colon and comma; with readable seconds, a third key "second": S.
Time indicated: {"hour": 3, "minute": 39}
